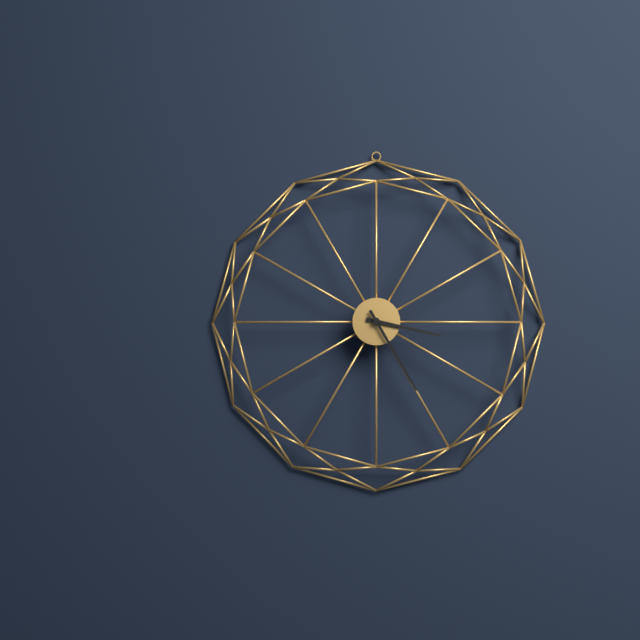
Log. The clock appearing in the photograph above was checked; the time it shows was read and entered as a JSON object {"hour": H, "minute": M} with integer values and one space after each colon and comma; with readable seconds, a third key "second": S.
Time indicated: {"hour": 3, "minute": 25}
